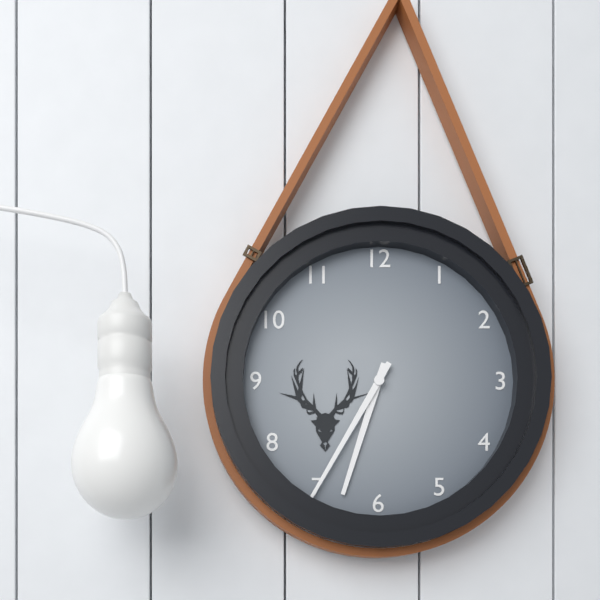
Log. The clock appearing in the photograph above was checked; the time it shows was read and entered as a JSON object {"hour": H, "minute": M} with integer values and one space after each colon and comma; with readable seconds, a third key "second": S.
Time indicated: {"hour": 6, "minute": 35}
